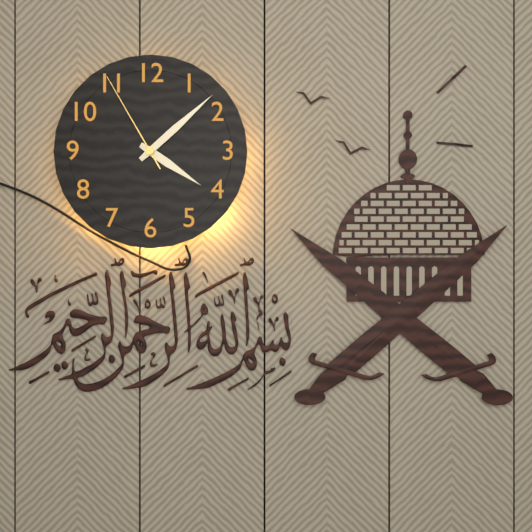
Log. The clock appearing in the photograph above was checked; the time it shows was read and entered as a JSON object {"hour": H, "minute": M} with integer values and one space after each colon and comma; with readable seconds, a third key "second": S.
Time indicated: {"hour": 4, "minute": 8, "second": 55}
